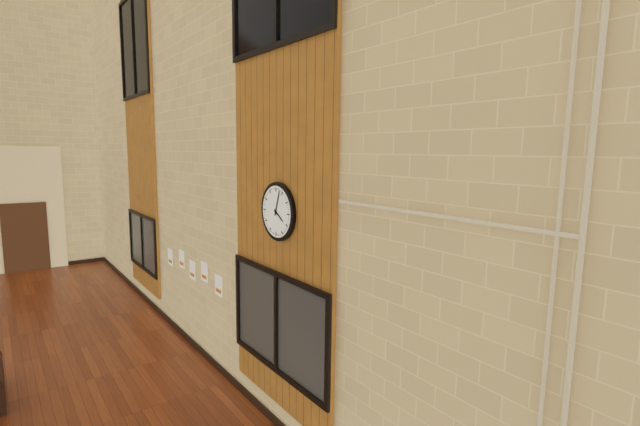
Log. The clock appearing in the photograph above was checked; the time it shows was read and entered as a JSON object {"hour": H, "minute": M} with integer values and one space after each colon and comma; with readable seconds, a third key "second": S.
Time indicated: {"hour": 4, "minute": 3}
